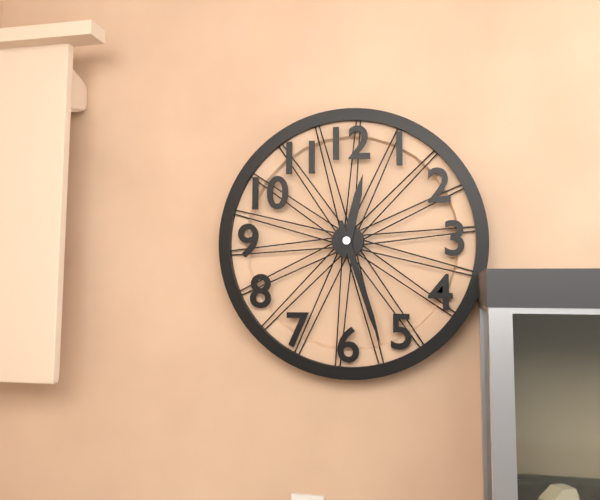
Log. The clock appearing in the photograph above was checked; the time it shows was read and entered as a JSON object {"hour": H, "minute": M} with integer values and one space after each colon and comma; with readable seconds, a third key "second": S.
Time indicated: {"hour": 12, "minute": 27}
